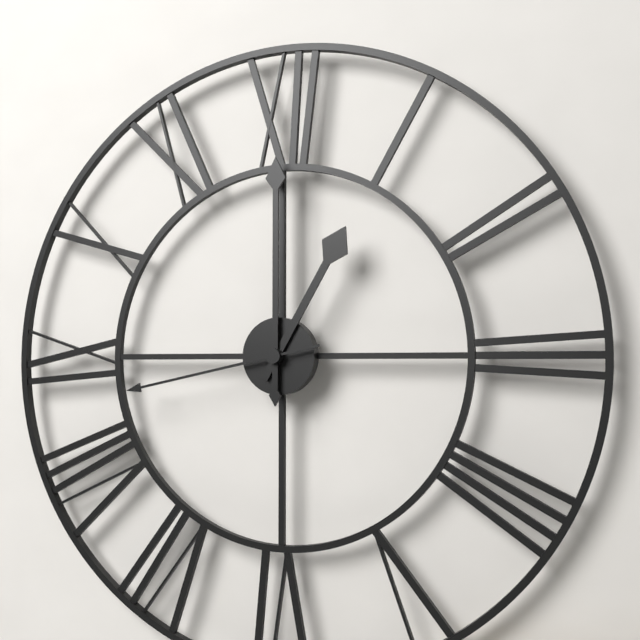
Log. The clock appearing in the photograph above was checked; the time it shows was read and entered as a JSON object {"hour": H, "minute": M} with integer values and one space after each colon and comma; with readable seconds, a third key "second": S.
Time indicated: {"hour": 1, "minute": 0, "second": 43}
